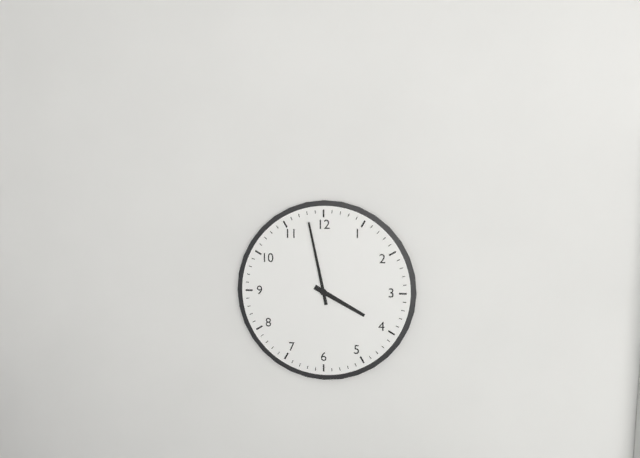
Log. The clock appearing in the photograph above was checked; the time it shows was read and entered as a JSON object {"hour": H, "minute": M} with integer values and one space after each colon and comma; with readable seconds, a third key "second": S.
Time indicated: {"hour": 3, "minute": 58}
